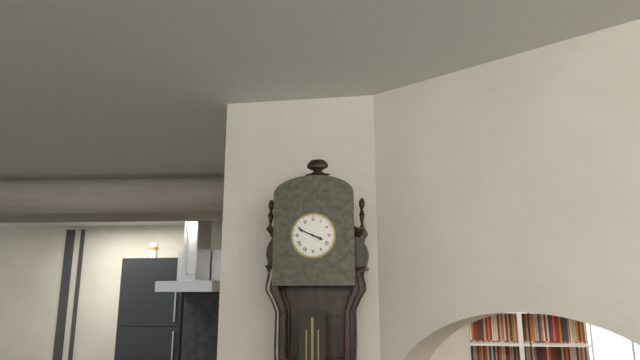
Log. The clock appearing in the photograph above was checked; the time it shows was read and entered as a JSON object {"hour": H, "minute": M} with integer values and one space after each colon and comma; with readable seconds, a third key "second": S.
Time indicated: {"hour": 3, "minute": 49}
